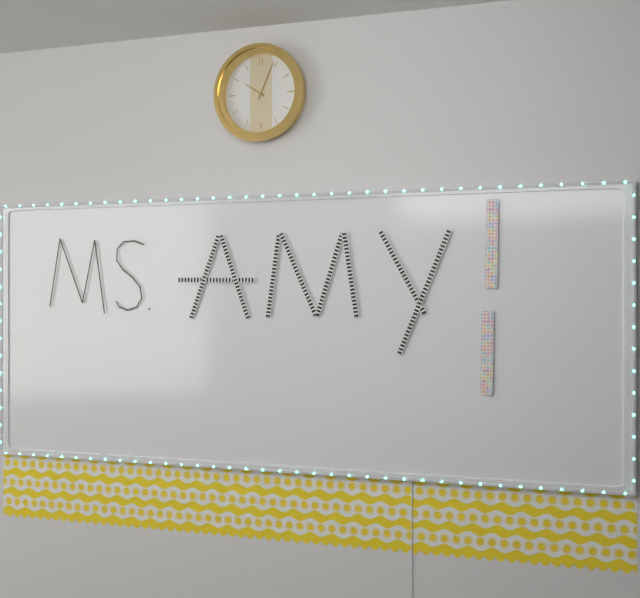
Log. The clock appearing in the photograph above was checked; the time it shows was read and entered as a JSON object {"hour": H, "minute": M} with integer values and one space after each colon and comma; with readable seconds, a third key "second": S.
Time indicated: {"hour": 10, "minute": 4}
